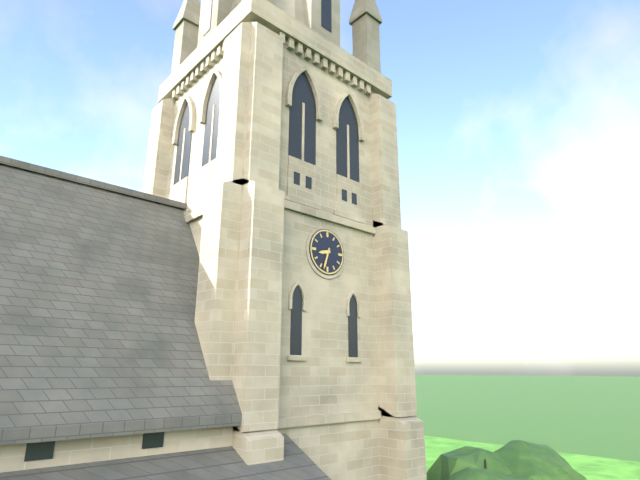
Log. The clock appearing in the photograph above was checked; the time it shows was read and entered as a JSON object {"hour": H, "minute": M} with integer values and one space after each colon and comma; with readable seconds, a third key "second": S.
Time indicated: {"hour": 8, "minute": 33}
